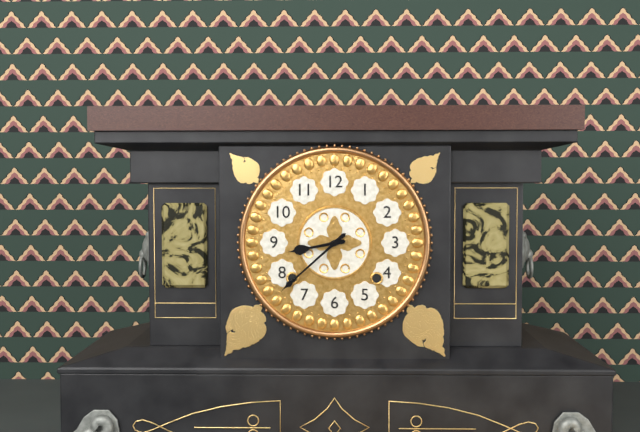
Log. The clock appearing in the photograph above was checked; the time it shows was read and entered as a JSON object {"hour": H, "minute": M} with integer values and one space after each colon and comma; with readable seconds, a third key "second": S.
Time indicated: {"hour": 8, "minute": 38}
